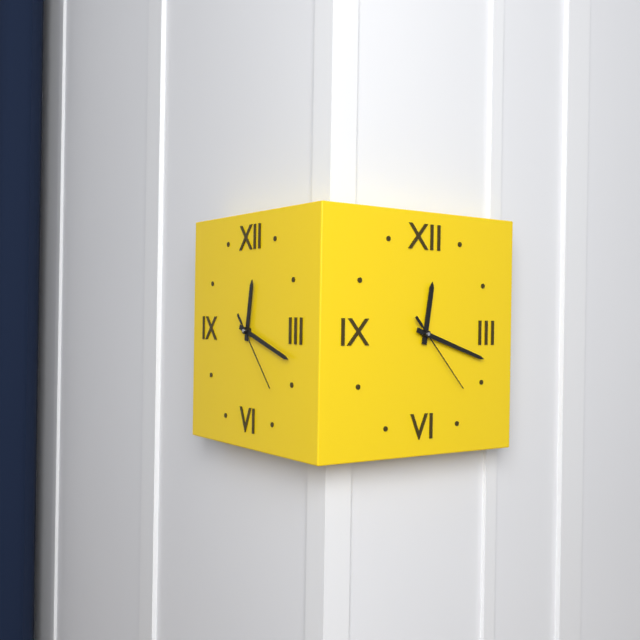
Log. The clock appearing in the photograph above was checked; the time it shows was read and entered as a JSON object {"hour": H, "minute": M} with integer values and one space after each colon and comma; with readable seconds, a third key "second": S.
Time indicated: {"hour": 12, "minute": 18, "second": 23}
